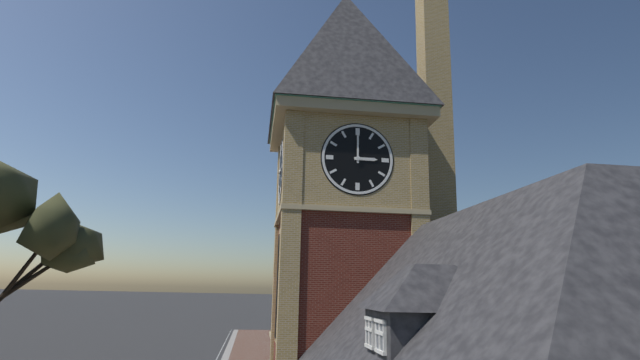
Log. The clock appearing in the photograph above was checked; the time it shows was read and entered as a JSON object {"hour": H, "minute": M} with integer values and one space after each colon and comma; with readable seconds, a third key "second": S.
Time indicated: {"hour": 3, "minute": 0}
